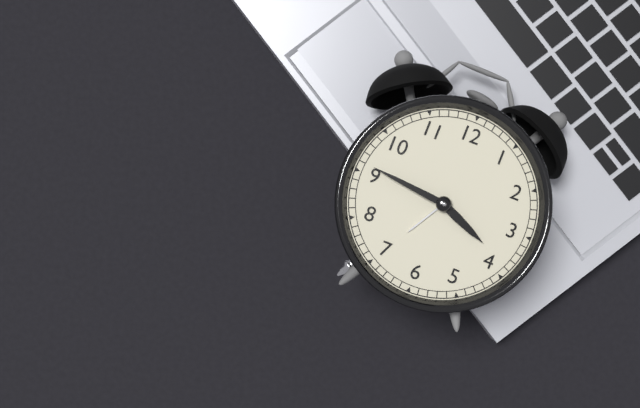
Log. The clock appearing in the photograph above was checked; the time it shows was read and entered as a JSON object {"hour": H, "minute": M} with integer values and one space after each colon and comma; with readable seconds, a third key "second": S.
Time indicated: {"hour": 3, "minute": 46}
